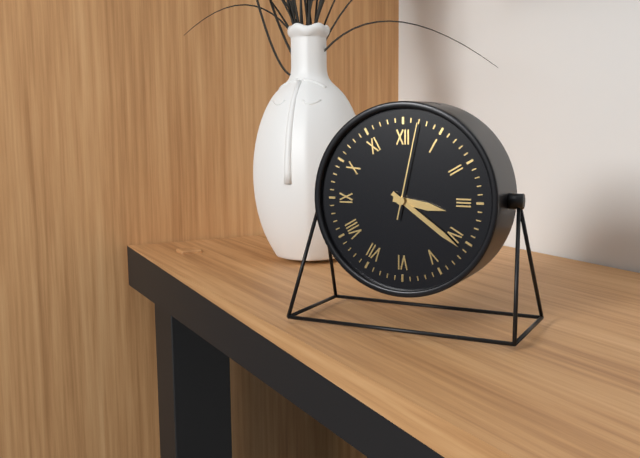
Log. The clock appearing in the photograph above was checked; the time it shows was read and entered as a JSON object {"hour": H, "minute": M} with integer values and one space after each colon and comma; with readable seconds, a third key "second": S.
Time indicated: {"hour": 3, "minute": 21, "second": 2}
